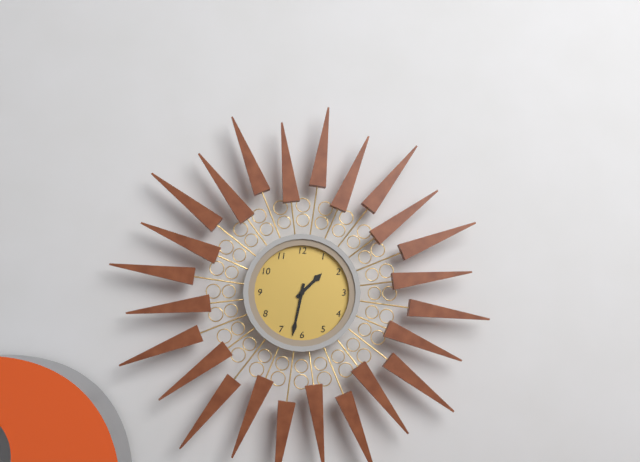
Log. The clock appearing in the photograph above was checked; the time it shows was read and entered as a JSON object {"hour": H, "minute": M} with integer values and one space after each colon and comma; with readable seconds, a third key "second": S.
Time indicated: {"hour": 1, "minute": 32}
